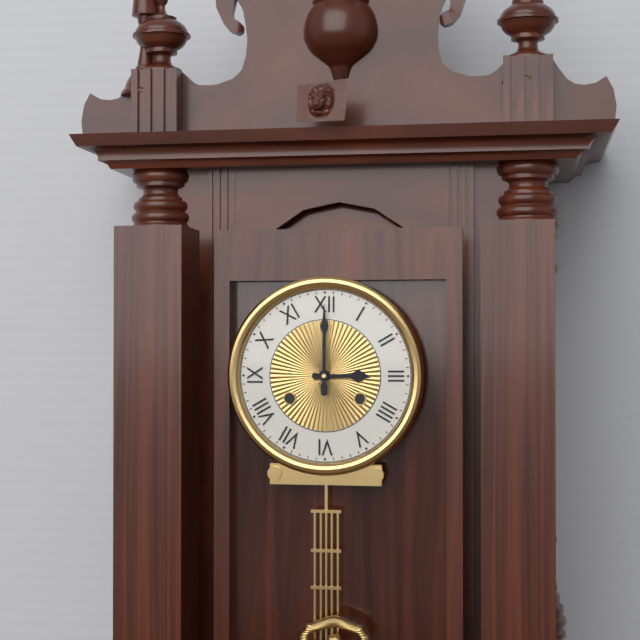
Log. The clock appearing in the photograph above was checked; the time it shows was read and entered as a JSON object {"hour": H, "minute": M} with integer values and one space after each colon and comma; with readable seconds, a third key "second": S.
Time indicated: {"hour": 3, "minute": 0}
